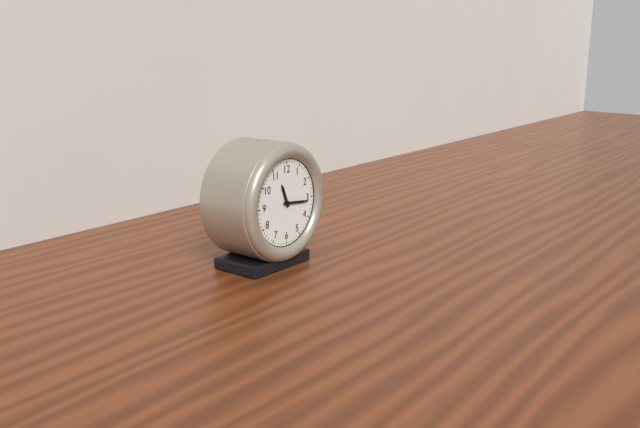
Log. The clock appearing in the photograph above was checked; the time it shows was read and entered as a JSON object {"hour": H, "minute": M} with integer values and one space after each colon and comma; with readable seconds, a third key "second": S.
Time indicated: {"hour": 11, "minute": 16}
